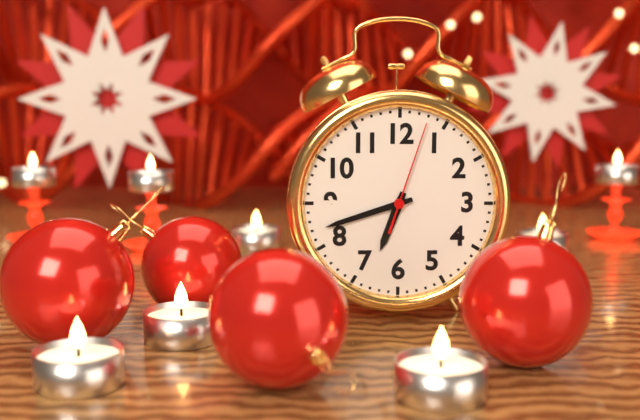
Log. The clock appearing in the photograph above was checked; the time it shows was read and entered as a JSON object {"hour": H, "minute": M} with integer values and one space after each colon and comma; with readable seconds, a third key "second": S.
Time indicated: {"hour": 6, "minute": 42, "second": 3}
